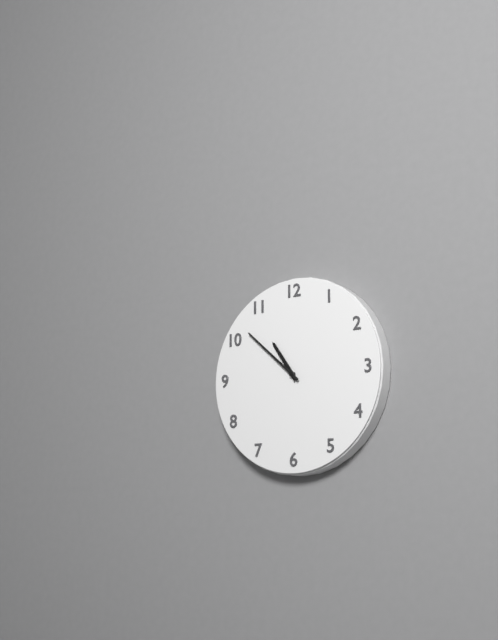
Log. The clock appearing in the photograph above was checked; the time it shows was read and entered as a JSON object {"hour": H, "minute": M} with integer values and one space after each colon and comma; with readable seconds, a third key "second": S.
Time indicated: {"hour": 10, "minute": 52}
